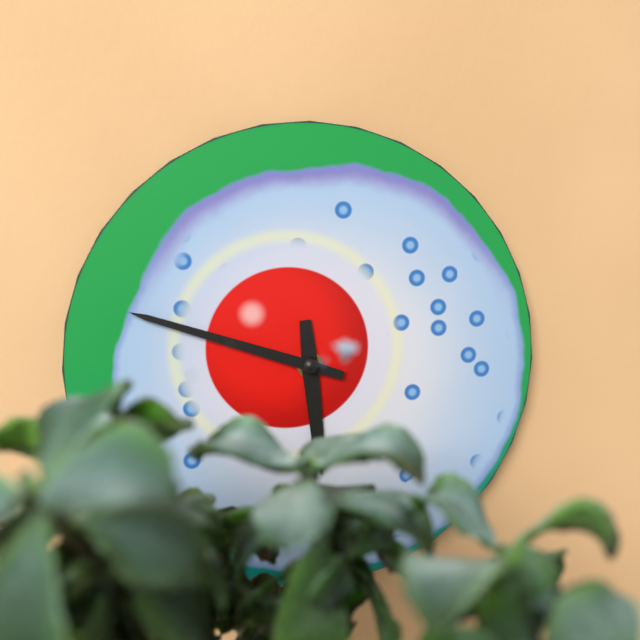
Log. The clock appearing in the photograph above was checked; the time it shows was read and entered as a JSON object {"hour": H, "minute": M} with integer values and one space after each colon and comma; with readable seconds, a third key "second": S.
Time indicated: {"hour": 5, "minute": 48}
